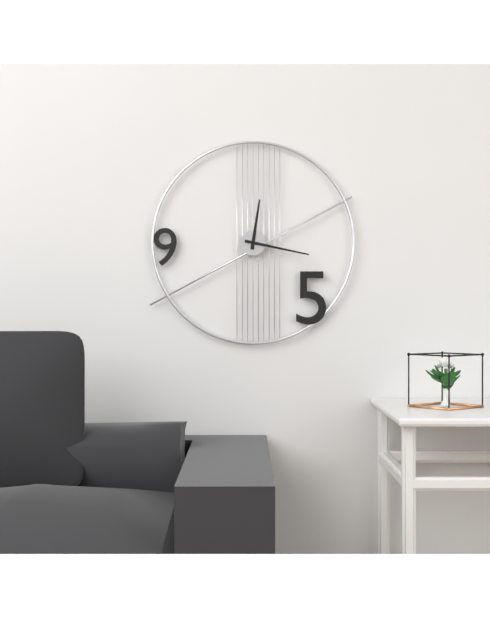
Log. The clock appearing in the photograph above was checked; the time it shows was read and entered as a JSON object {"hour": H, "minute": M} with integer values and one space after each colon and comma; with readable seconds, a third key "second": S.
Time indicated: {"hour": 12, "minute": 17}
